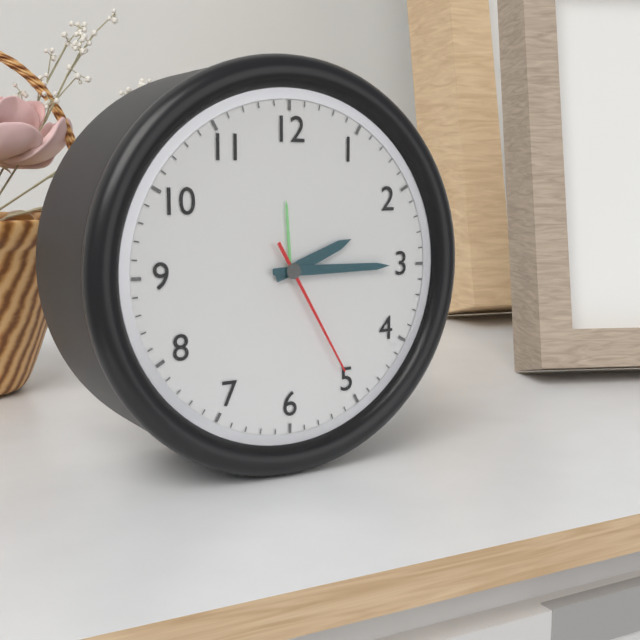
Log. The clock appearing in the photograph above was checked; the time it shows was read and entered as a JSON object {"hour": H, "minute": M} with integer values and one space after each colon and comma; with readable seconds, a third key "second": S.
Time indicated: {"hour": 2, "minute": 15, "second": 25}
